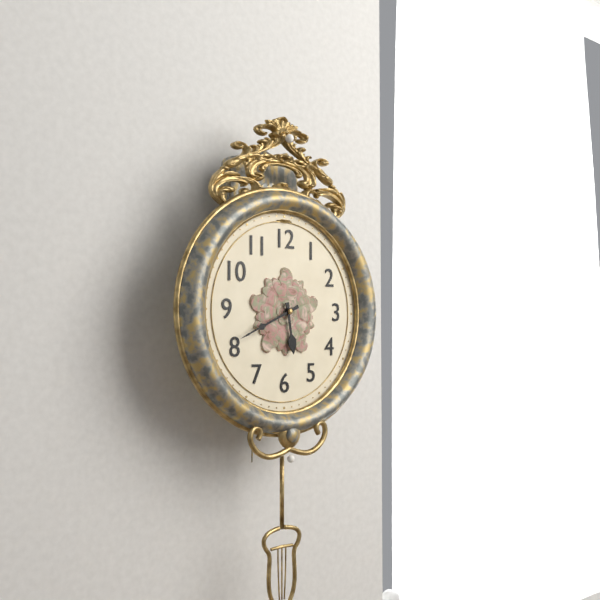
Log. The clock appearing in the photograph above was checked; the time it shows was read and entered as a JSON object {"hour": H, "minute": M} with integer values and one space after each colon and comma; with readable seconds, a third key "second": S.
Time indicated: {"hour": 5, "minute": 41}
